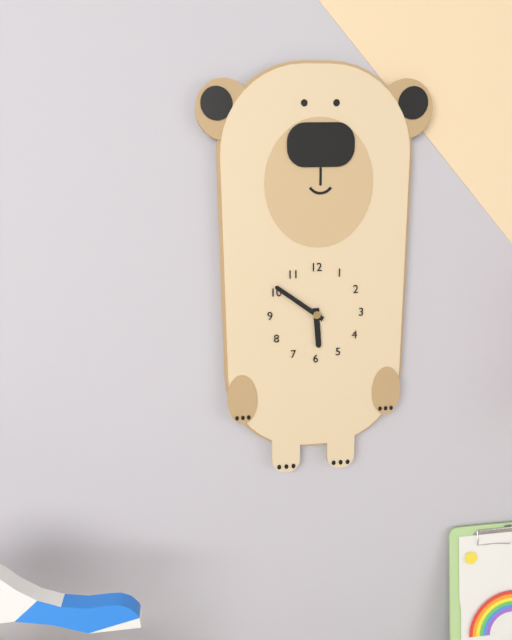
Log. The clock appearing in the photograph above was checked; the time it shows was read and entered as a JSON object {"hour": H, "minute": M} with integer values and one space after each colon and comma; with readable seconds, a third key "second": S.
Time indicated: {"hour": 5, "minute": 51}
